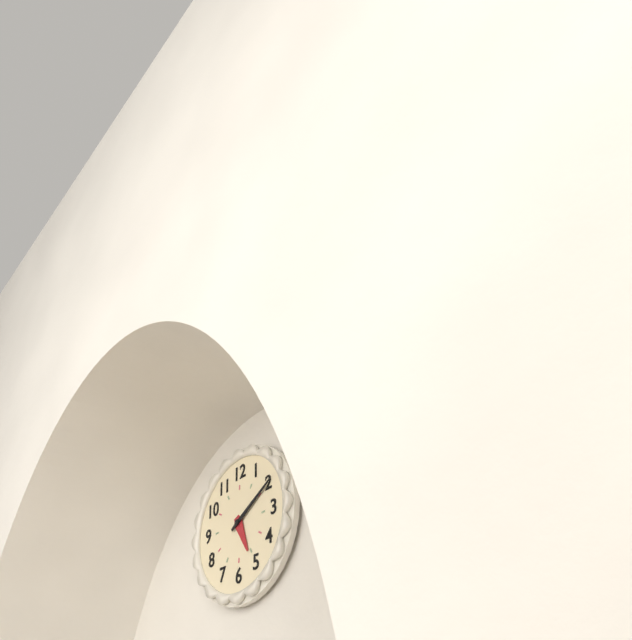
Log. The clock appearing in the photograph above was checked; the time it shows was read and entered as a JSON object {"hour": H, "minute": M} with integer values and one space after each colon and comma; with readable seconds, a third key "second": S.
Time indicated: {"hour": 5, "minute": 10}
